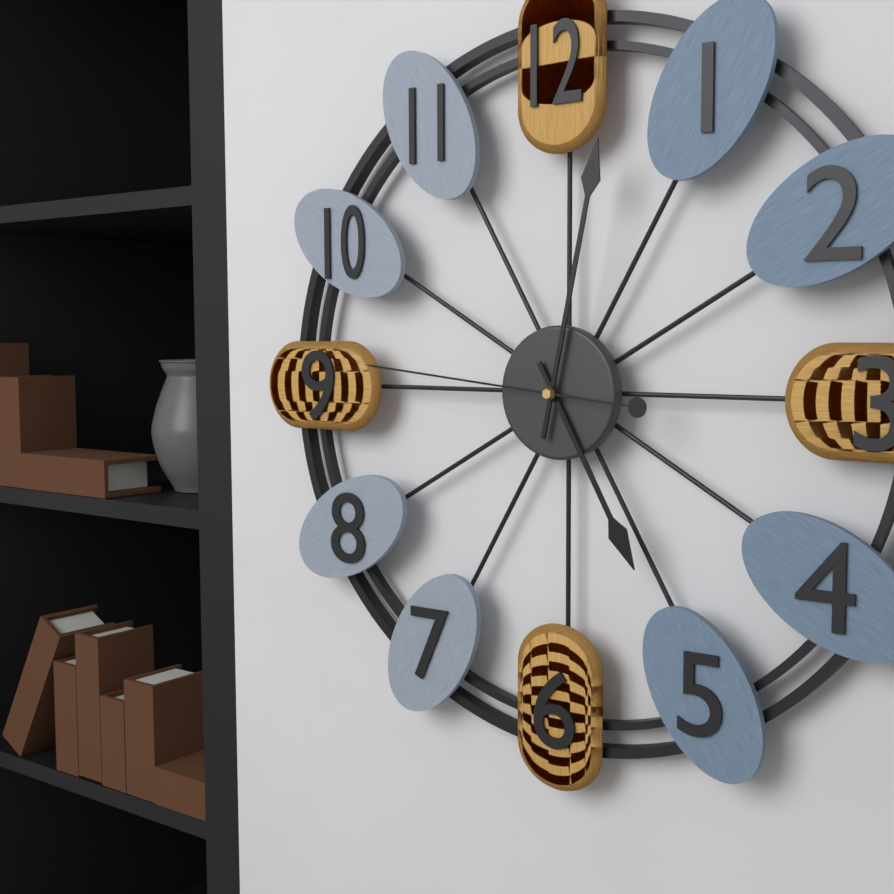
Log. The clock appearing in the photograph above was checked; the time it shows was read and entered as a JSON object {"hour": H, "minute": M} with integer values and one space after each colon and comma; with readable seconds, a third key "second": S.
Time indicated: {"hour": 5, "minute": 2, "second": 46}
